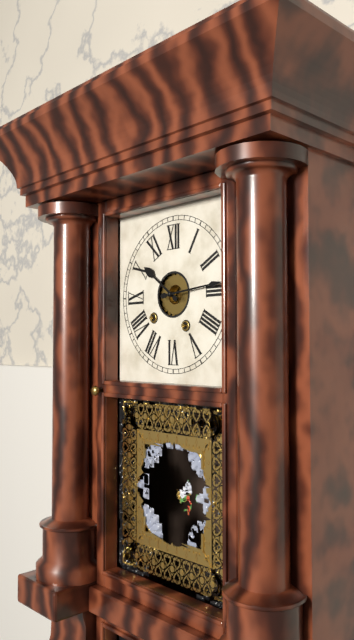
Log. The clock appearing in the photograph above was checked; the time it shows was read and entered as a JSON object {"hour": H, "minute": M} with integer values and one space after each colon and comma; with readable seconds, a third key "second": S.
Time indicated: {"hour": 10, "minute": 14}
